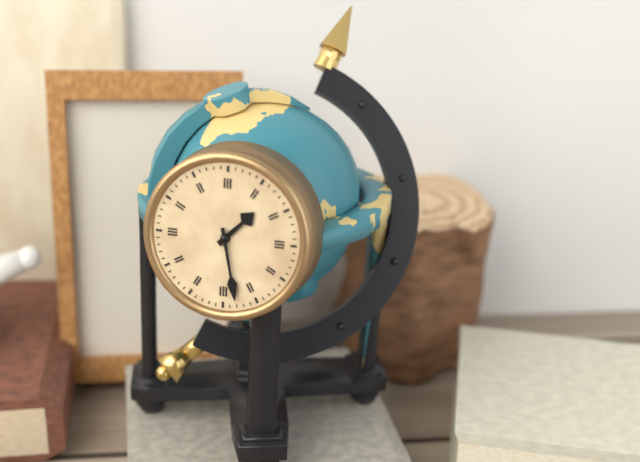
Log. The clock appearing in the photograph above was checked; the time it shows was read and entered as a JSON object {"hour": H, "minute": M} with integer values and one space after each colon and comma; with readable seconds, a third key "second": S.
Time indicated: {"hour": 1, "minute": 28}
